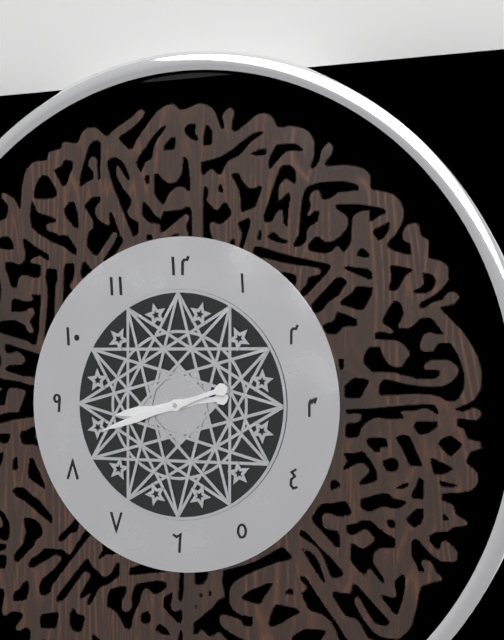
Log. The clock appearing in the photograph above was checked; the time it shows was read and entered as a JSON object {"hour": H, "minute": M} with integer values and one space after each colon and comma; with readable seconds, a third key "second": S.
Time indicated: {"hour": 8, "minute": 42}
